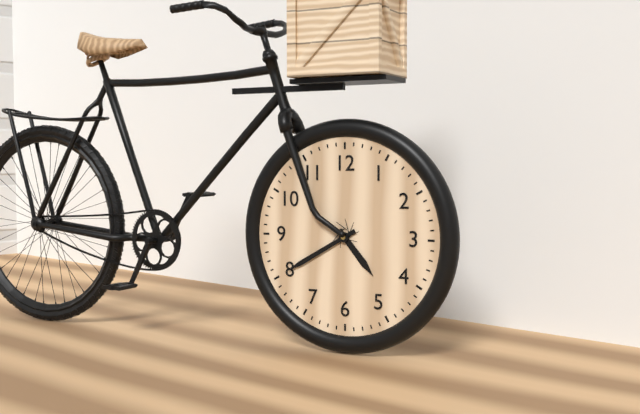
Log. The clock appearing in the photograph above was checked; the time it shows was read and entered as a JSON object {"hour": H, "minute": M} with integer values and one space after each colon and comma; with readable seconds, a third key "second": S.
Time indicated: {"hour": 4, "minute": 40}
